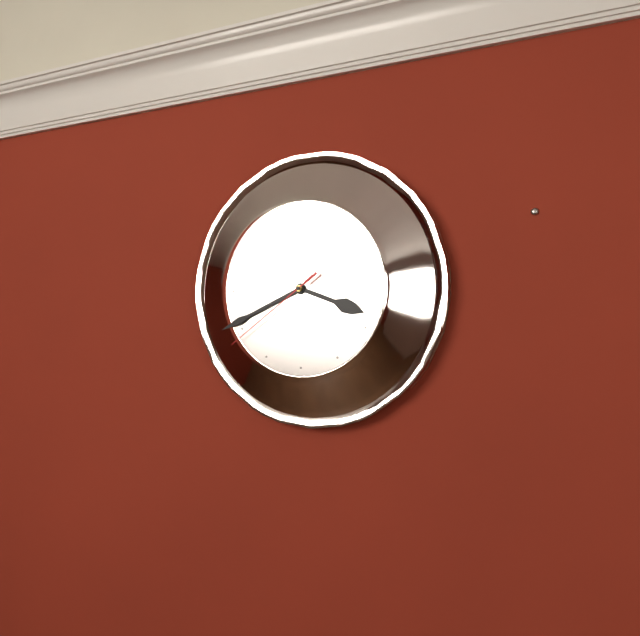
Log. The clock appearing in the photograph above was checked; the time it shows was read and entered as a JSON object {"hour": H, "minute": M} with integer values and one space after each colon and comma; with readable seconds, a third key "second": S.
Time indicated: {"hour": 3, "minute": 41, "second": 39}
